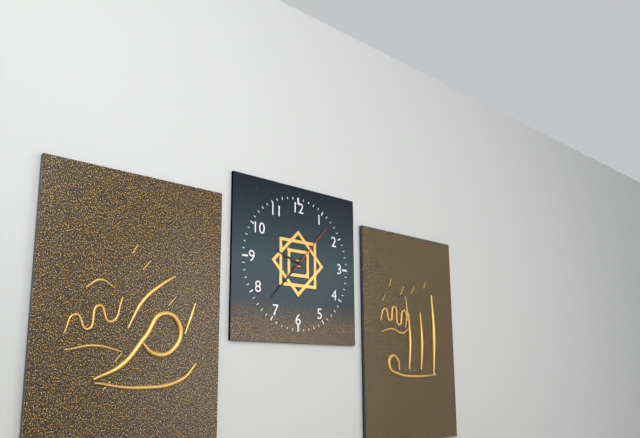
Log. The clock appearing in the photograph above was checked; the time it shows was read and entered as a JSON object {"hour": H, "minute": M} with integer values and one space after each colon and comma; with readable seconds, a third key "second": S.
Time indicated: {"hour": 9, "minute": 37, "second": 7}
